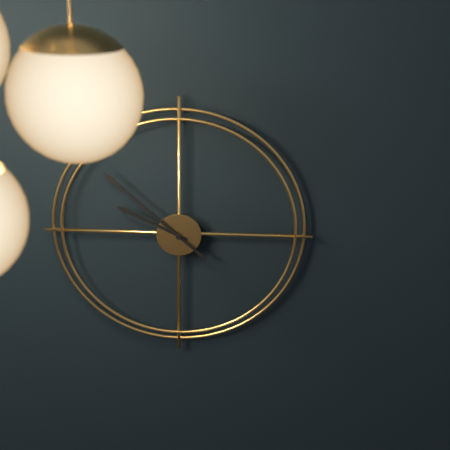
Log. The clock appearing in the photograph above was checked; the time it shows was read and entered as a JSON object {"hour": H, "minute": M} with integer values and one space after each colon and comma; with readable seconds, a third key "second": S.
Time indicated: {"hour": 9, "minute": 52}
